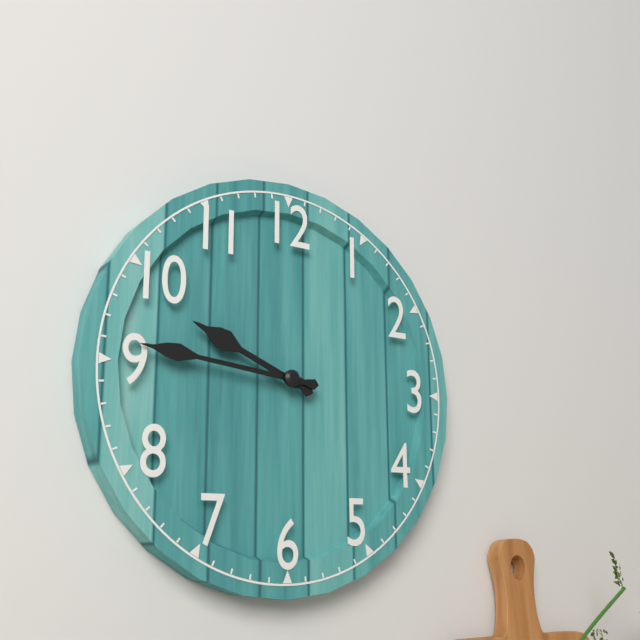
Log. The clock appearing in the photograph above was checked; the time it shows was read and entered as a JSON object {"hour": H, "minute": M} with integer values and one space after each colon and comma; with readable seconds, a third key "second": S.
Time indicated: {"hour": 9, "minute": 46}
